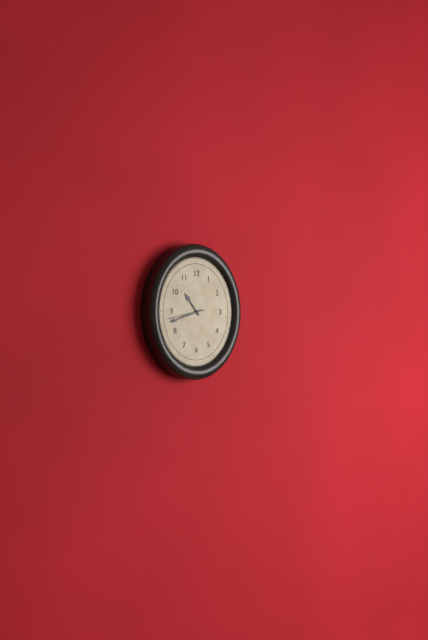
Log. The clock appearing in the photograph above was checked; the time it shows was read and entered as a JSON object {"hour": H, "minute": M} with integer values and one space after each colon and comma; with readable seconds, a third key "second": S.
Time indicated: {"hour": 10, "minute": 42}
